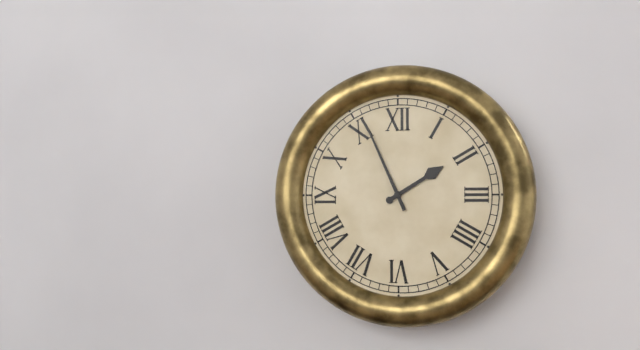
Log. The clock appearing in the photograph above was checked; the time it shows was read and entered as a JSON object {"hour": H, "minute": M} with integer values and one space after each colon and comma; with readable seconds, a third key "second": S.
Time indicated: {"hour": 1, "minute": 56}
